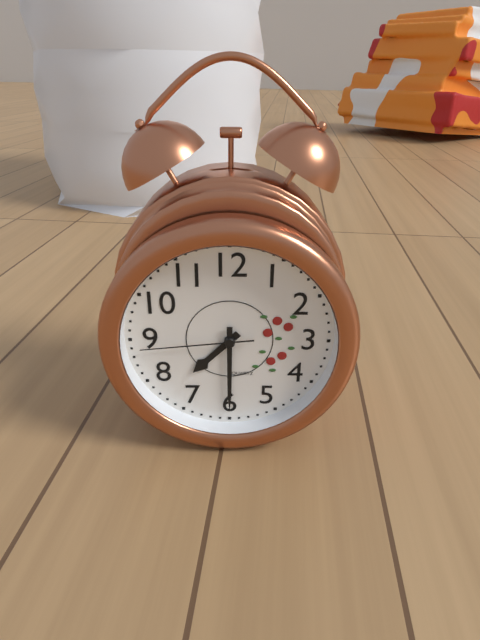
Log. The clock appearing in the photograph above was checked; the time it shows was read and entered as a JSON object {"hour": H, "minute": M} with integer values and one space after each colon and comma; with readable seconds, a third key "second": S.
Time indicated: {"hour": 7, "minute": 30, "second": 44}
